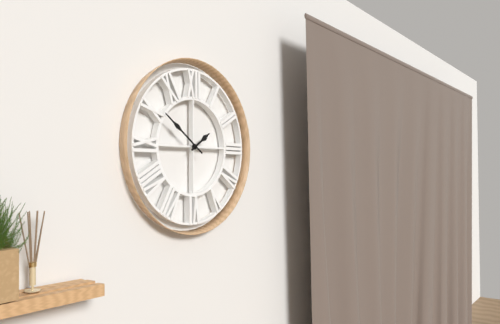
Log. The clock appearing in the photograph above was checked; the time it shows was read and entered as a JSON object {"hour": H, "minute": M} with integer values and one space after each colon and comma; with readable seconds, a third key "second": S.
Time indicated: {"hour": 1, "minute": 51}
